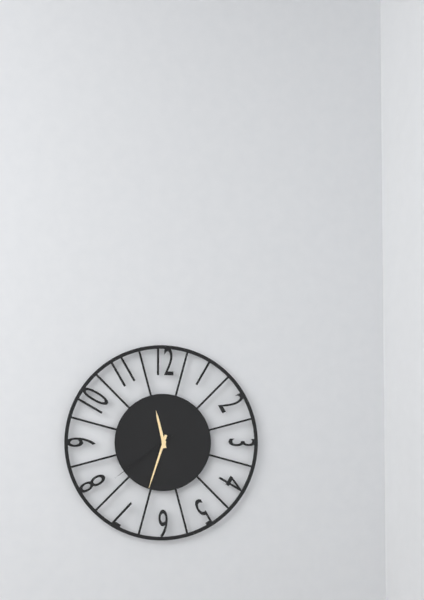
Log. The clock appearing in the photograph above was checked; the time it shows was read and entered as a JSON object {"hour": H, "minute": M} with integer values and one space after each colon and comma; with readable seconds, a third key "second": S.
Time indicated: {"hour": 11, "minute": 33, "second": 39}
